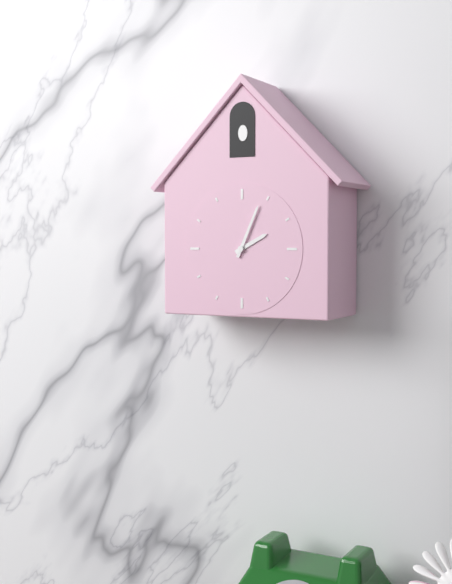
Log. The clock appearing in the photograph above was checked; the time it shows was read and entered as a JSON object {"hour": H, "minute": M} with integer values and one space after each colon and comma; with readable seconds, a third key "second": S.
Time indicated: {"hour": 2, "minute": 4}
